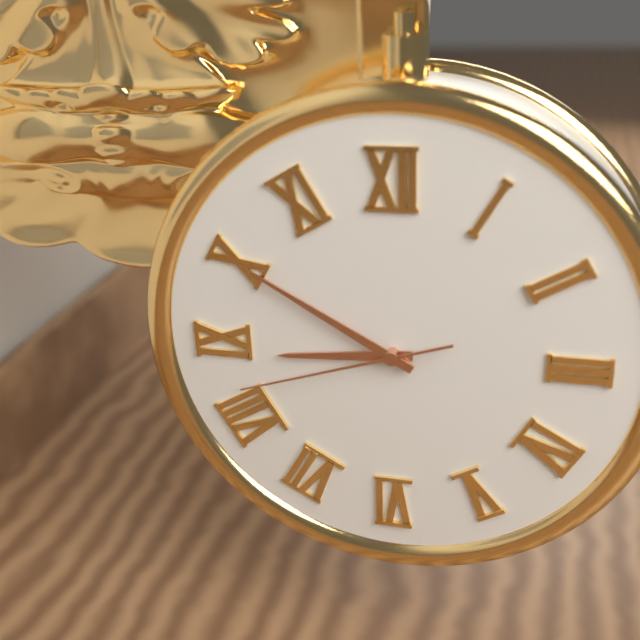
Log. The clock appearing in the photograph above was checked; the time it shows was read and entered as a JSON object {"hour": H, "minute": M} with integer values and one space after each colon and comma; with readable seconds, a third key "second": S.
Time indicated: {"hour": 8, "minute": 50, "second": 42}
